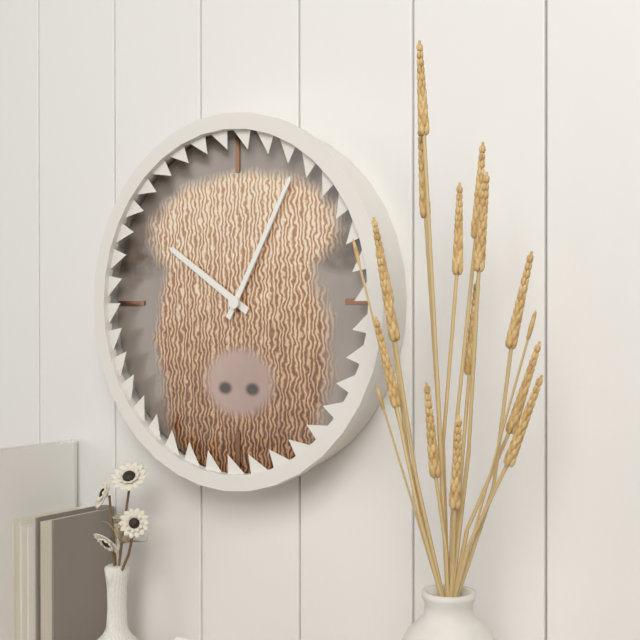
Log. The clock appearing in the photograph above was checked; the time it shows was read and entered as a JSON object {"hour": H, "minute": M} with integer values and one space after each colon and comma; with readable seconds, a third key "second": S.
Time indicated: {"hour": 10, "minute": 5}
